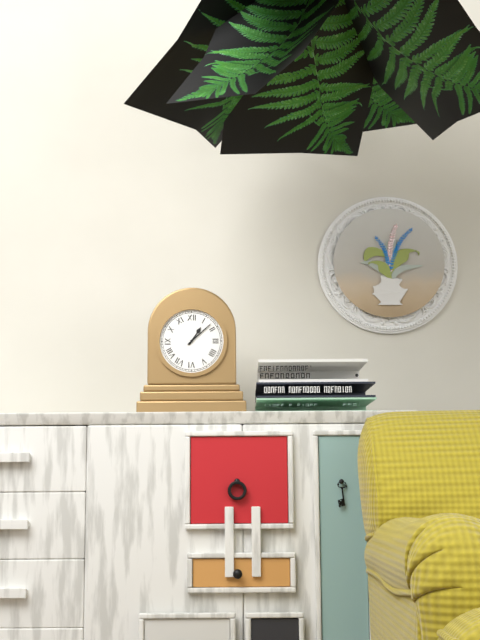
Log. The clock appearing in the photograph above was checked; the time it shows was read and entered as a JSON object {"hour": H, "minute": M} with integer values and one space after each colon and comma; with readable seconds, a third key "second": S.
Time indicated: {"hour": 1, "minute": 8}
